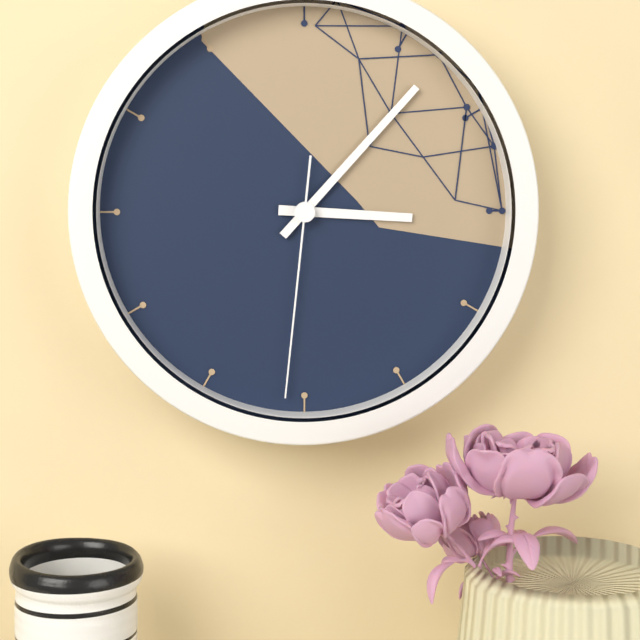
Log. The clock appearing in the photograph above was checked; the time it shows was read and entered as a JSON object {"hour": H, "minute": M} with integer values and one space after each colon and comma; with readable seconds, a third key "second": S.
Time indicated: {"hour": 3, "minute": 7, "second": 31}
